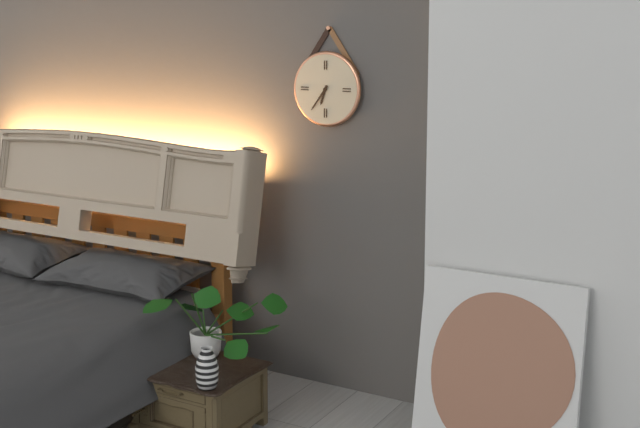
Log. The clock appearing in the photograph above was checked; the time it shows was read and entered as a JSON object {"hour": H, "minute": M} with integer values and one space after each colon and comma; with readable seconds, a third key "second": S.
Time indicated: {"hour": 6, "minute": 36}
